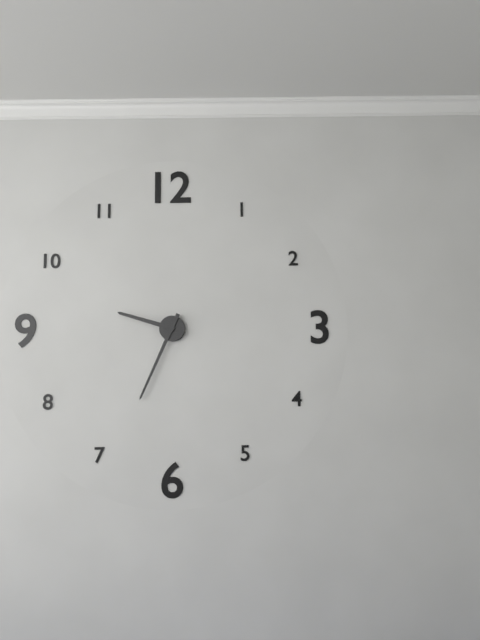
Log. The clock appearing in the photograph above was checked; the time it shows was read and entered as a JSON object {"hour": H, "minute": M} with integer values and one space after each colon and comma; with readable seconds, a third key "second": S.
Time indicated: {"hour": 9, "minute": 34}
